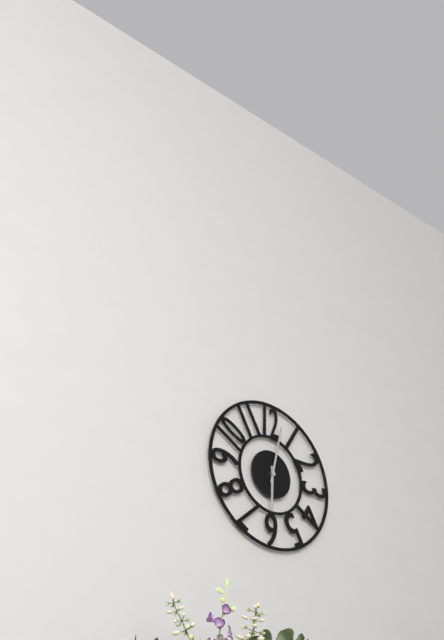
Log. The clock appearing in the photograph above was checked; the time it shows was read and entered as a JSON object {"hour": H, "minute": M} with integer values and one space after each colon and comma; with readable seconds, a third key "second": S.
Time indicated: {"hour": 6, "minute": 2}
